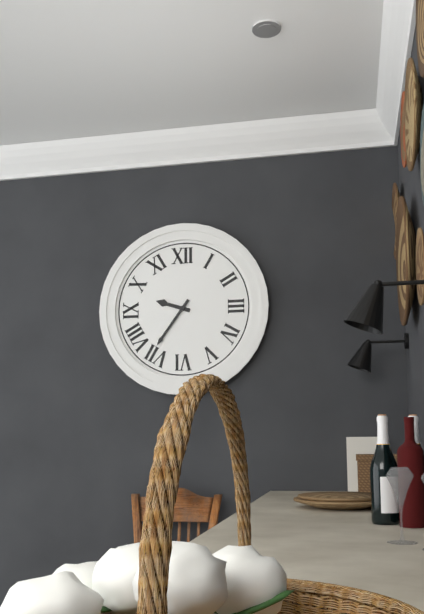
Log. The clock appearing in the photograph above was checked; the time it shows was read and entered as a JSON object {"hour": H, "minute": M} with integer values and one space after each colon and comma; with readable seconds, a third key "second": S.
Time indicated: {"hour": 9, "minute": 36}
